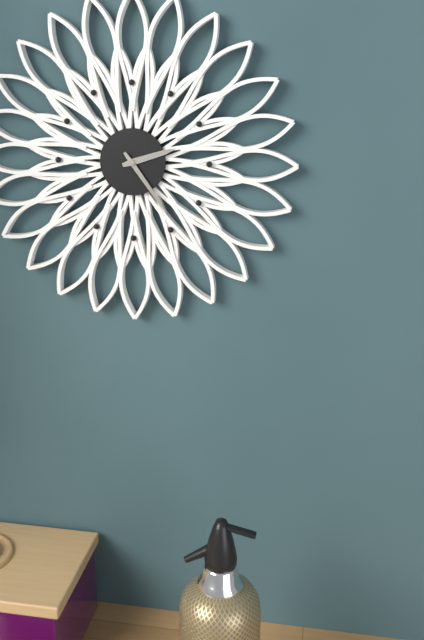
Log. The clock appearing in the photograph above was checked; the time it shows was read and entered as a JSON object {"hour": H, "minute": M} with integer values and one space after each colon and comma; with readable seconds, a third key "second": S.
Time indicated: {"hour": 2, "minute": 24}
